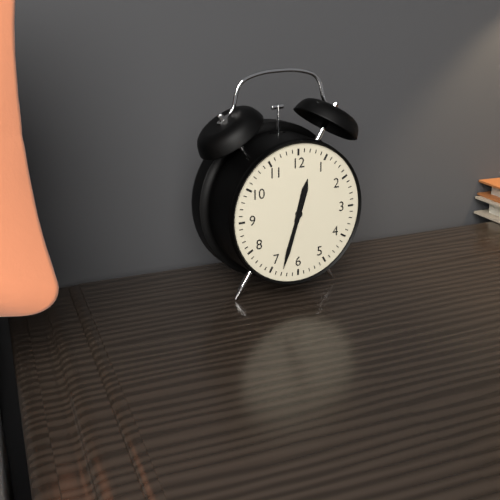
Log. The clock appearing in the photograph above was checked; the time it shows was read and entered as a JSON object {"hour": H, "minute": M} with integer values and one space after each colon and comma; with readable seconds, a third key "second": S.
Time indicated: {"hour": 12, "minute": 33}
